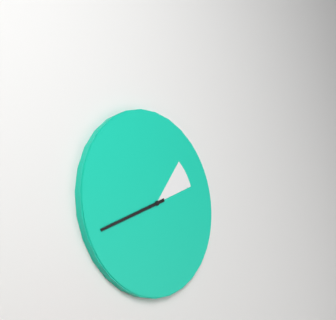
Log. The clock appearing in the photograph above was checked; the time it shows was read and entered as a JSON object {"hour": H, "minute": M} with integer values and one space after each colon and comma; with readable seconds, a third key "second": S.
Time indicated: {"hour": 1, "minute": 41}
